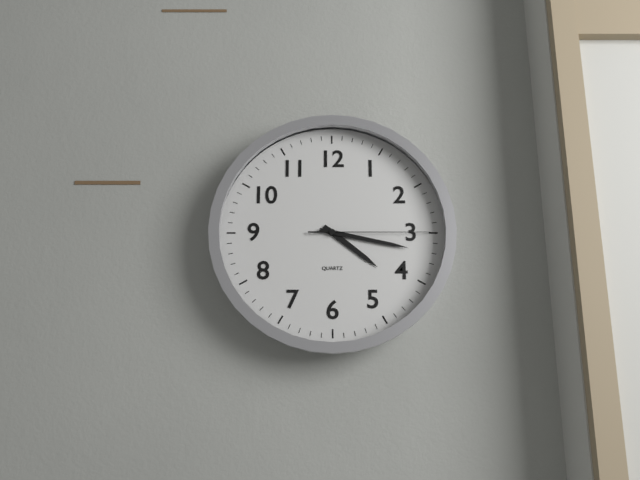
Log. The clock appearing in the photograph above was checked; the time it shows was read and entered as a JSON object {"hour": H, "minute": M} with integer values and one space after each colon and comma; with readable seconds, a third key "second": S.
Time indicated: {"hour": 4, "minute": 17, "second": 15}
